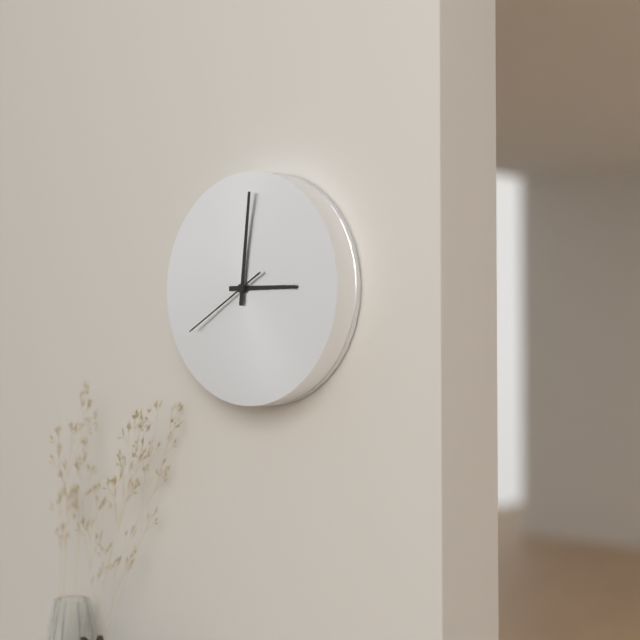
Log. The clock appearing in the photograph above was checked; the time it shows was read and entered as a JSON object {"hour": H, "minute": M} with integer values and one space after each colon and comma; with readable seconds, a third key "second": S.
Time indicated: {"hour": 3, "minute": 1, "second": 40}
